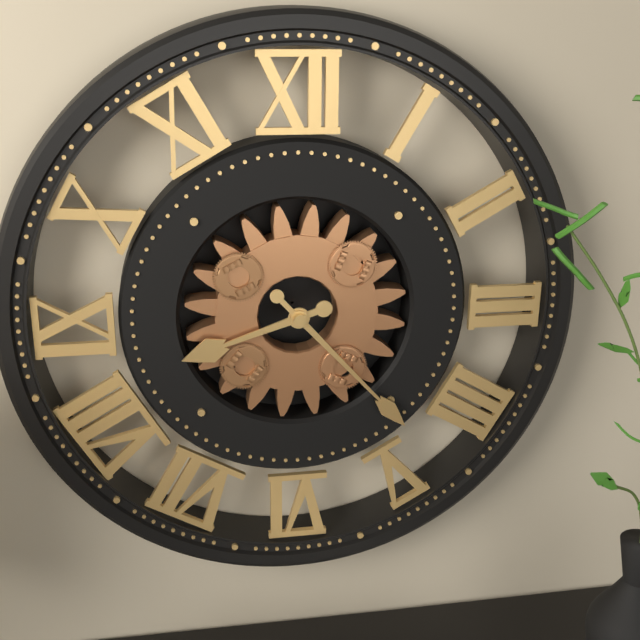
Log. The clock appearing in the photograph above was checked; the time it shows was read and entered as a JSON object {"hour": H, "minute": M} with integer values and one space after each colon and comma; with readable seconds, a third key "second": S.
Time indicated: {"hour": 8, "minute": 23}
